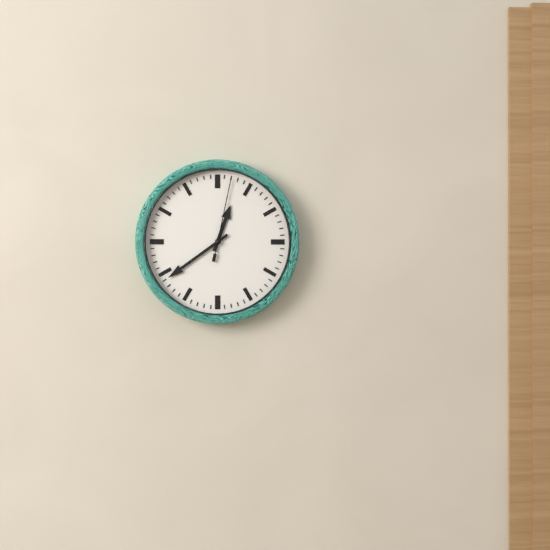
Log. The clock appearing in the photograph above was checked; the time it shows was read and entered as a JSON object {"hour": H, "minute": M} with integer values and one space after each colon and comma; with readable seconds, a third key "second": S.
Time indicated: {"hour": 12, "minute": 39, "second": 2}
